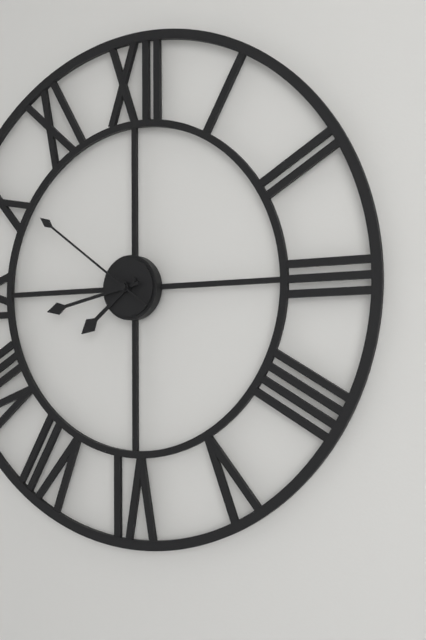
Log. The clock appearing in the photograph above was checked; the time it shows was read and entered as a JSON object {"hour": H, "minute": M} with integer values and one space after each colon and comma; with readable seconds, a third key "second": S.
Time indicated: {"hour": 7, "minute": 43, "second": 51}
